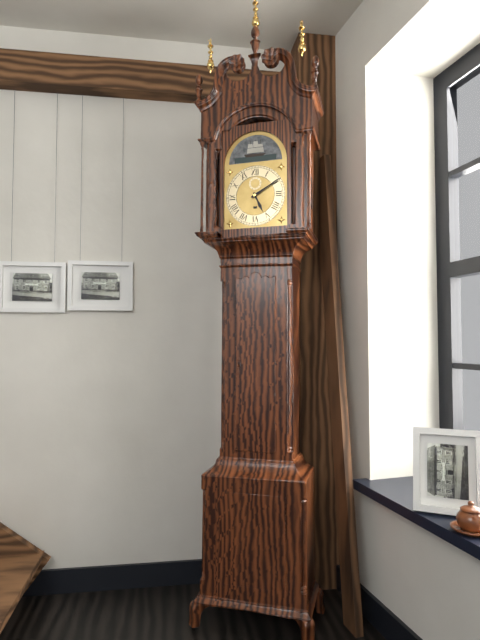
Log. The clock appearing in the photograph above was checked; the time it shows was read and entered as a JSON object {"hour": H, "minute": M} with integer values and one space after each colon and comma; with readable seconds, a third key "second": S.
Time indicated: {"hour": 5, "minute": 10}
